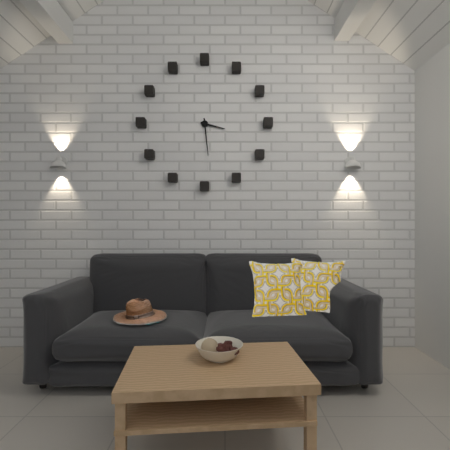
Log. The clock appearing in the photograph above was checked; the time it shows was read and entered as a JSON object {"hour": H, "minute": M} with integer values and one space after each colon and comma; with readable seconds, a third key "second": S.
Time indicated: {"hour": 3, "minute": 29}
